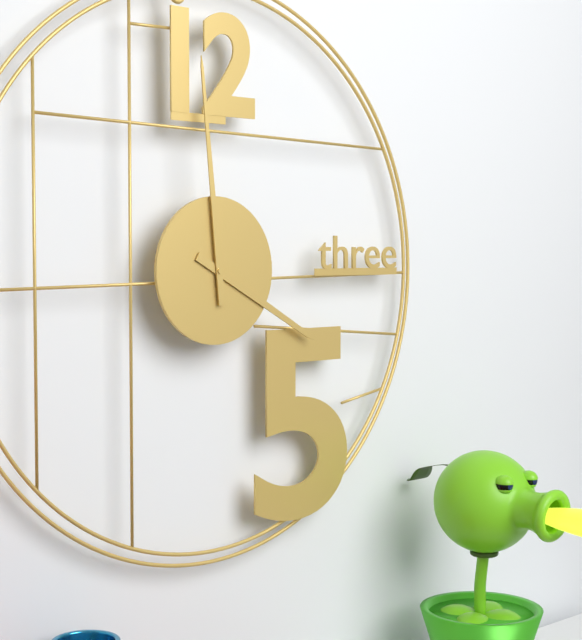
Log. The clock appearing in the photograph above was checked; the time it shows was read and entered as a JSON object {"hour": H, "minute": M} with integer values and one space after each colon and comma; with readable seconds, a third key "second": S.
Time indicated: {"hour": 3, "minute": 59}
